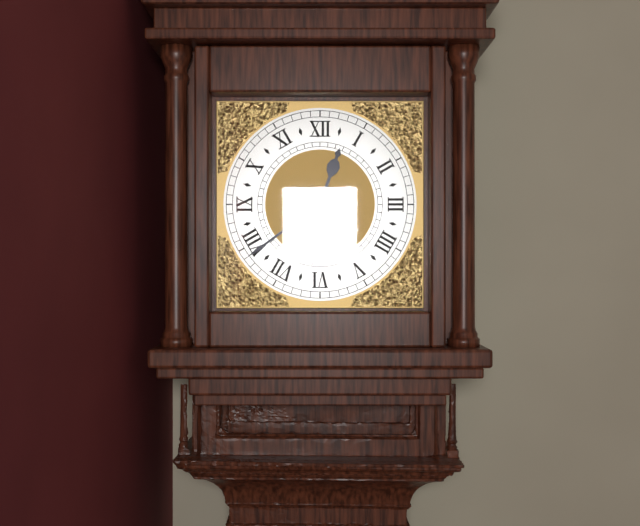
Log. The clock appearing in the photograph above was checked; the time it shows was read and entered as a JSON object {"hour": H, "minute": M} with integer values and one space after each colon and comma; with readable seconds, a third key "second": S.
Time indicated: {"hour": 12, "minute": 39}
